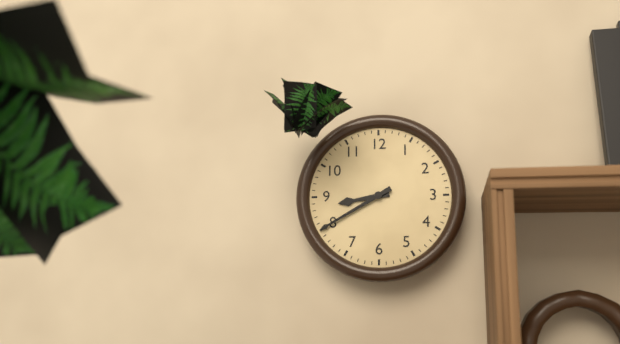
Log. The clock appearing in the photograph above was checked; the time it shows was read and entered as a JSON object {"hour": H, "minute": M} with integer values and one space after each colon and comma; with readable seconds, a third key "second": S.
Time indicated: {"hour": 8, "minute": 40}
